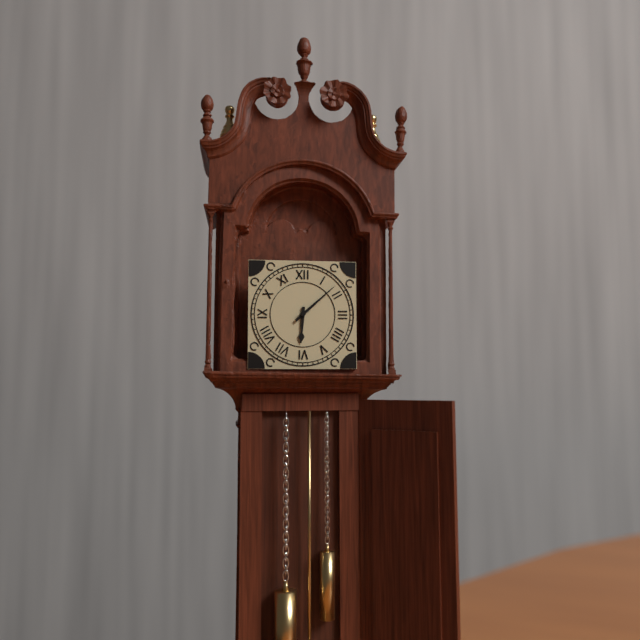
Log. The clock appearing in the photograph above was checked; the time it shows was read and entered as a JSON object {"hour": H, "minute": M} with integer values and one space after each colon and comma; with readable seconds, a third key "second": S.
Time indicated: {"hour": 6, "minute": 8}
